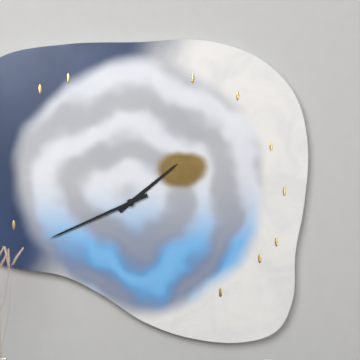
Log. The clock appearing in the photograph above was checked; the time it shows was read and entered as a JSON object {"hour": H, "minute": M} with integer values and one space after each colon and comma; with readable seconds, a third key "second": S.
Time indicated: {"hour": 1, "minute": 41}
